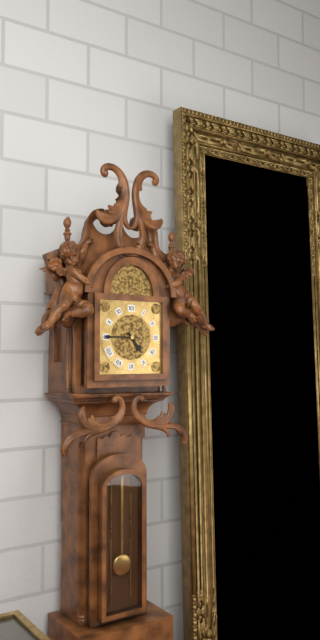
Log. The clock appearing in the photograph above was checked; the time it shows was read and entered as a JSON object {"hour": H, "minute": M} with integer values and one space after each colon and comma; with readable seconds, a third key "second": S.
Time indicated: {"hour": 4, "minute": 45}
